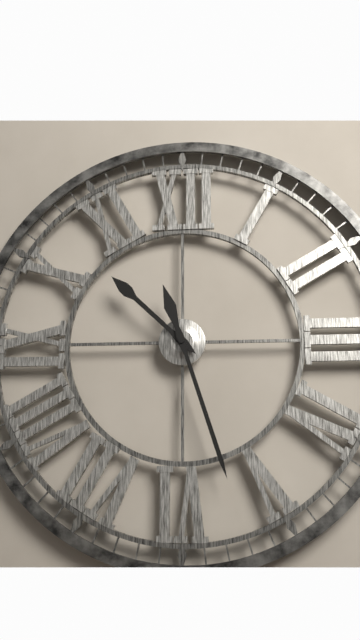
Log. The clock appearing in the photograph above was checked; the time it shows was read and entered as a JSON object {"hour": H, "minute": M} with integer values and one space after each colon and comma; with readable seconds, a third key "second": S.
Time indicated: {"hour": 10, "minute": 27}
